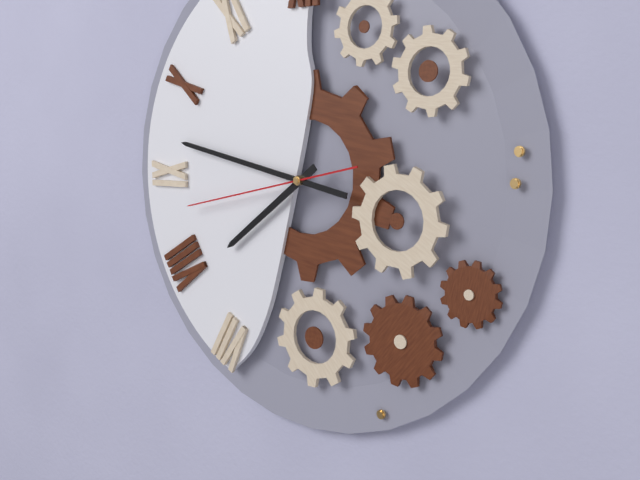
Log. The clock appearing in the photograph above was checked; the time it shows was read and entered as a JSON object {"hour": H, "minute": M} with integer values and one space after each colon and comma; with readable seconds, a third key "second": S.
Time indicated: {"hour": 7, "minute": 47, "second": 43}
